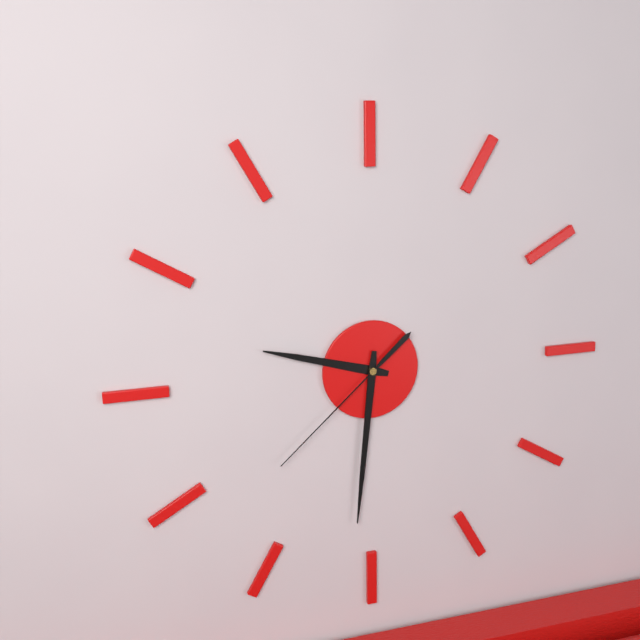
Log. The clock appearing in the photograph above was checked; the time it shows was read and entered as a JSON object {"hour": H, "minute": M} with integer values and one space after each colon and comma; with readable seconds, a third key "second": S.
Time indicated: {"hour": 9, "minute": 31, "second": 38}
